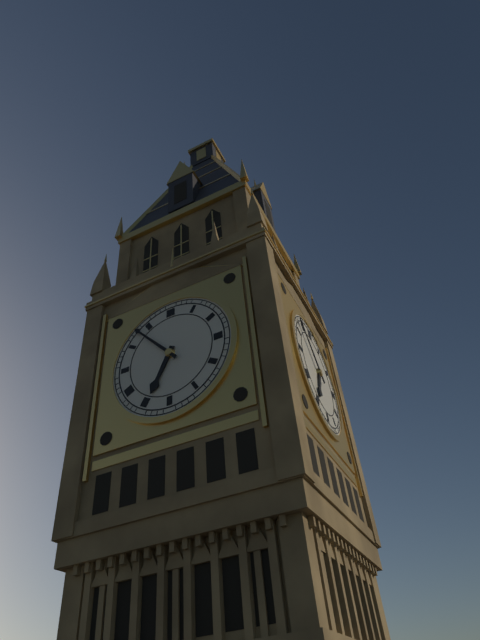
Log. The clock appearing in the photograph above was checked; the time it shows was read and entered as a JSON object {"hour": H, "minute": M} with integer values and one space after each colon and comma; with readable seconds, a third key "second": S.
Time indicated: {"hour": 6, "minute": 53}
